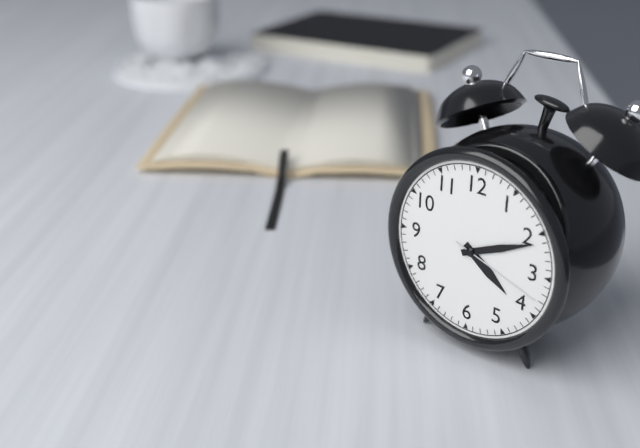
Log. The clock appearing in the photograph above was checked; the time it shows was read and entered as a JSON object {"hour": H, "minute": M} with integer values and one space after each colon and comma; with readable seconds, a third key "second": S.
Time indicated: {"hour": 4, "minute": 11, "second": 18}
